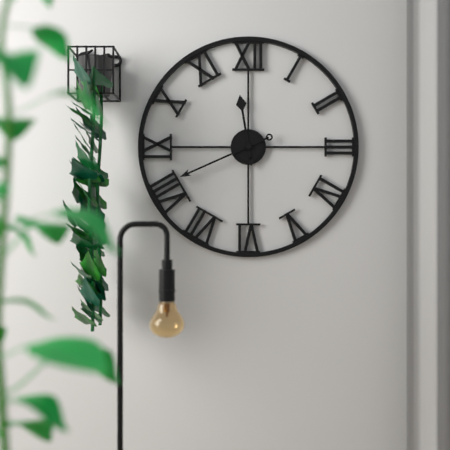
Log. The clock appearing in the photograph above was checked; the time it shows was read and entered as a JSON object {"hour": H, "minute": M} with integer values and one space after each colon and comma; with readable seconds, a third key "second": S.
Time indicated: {"hour": 11, "minute": 41}
